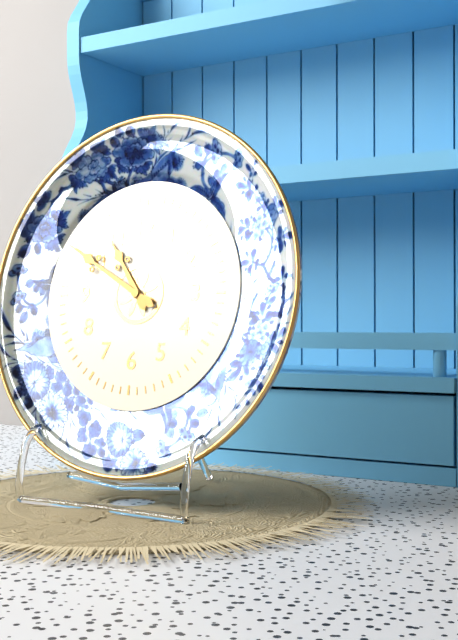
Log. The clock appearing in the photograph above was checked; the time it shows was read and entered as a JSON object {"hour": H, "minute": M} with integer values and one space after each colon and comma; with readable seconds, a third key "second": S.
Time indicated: {"hour": 10, "minute": 50}
